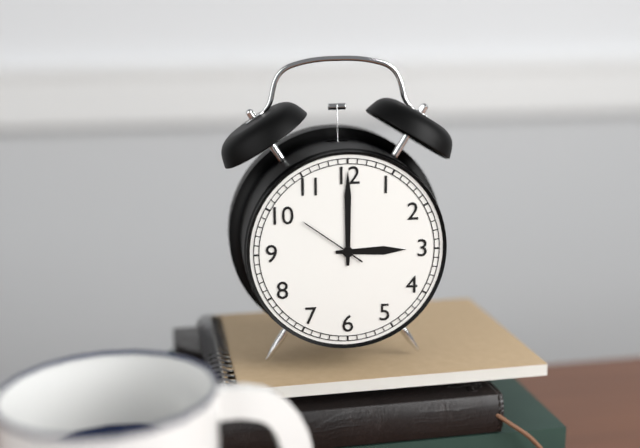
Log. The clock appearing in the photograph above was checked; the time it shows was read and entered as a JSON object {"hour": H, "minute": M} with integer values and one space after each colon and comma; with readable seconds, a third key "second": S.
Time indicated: {"hour": 3, "minute": 0, "second": 51}
